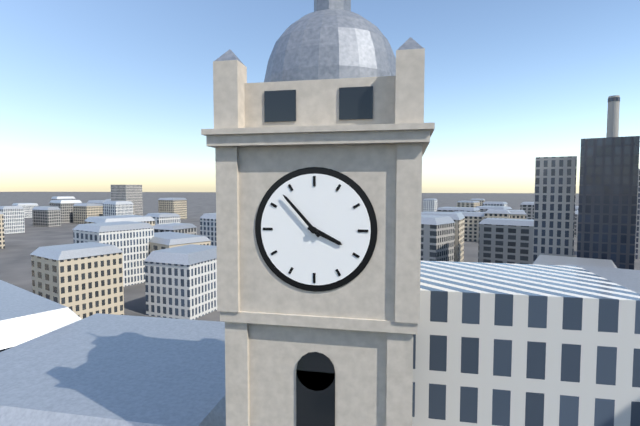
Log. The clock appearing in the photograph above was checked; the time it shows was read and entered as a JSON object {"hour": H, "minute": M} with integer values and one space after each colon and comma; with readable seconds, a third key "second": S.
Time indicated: {"hour": 3, "minute": 53}
